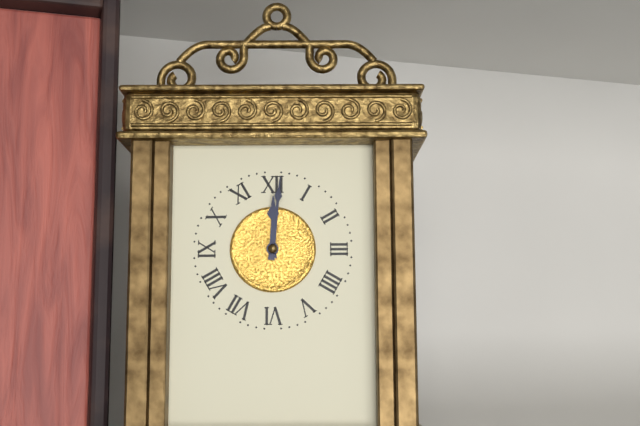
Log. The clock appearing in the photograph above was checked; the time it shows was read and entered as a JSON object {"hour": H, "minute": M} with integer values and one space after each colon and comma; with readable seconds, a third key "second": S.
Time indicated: {"hour": 12, "minute": 1}
